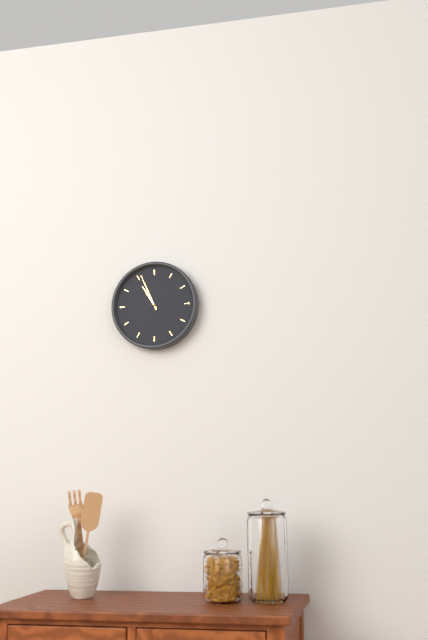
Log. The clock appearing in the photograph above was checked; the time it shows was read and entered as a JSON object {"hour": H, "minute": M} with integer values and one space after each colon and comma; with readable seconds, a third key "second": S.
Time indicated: {"hour": 10, "minute": 56}
